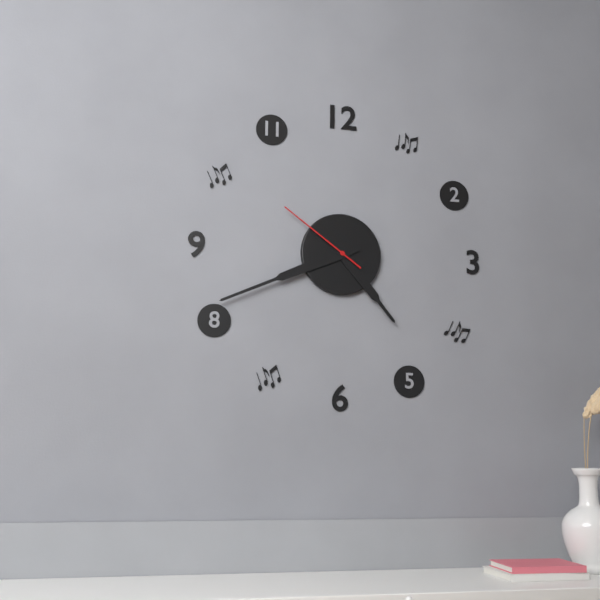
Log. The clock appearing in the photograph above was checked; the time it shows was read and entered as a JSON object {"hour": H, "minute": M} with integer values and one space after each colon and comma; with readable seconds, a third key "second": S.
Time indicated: {"hour": 4, "minute": 41, "second": 51}
